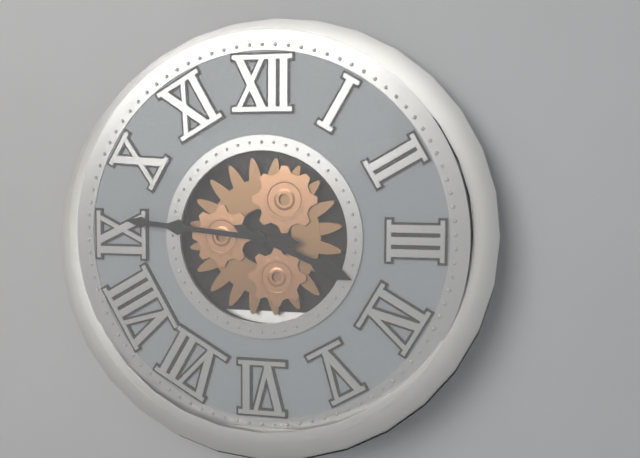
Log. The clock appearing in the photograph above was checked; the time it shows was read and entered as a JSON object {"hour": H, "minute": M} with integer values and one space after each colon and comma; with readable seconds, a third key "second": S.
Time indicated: {"hour": 3, "minute": 46}
